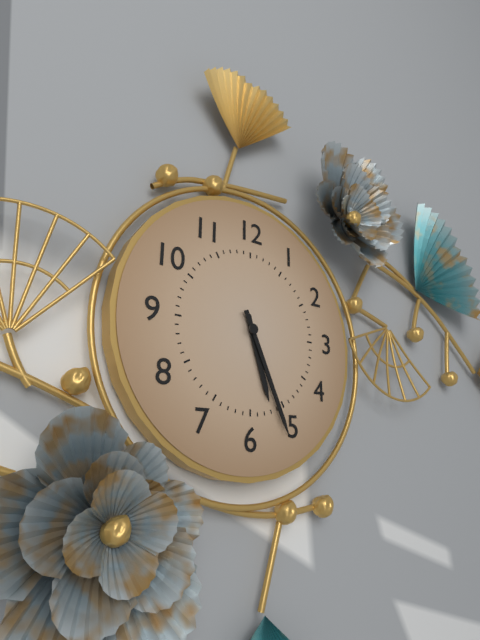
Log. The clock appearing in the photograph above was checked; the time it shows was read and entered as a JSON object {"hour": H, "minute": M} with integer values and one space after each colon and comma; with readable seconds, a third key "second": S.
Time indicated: {"hour": 5, "minute": 26}
